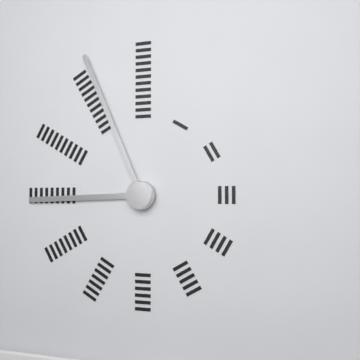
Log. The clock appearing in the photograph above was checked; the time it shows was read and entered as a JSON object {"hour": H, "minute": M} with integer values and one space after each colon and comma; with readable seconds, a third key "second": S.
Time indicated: {"hour": 8, "minute": 56}
